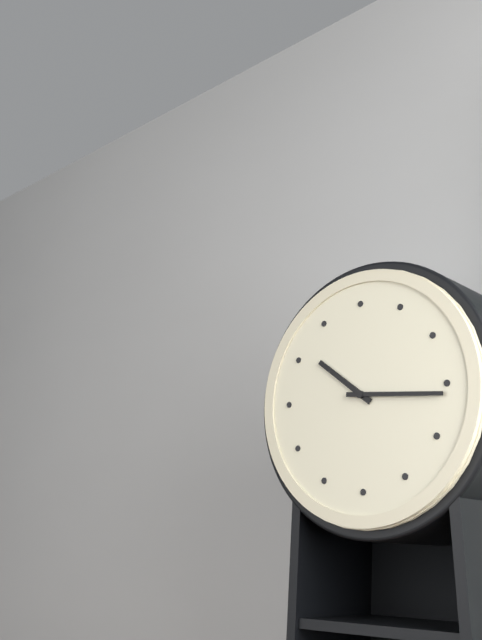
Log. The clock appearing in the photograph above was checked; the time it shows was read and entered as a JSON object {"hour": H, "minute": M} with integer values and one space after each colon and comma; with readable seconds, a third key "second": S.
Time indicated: {"hour": 10, "minute": 16}
